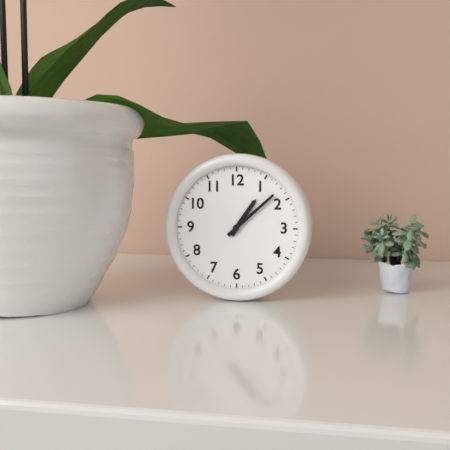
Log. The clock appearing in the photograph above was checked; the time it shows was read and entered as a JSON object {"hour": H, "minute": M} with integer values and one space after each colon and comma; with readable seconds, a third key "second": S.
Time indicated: {"hour": 1, "minute": 8}
